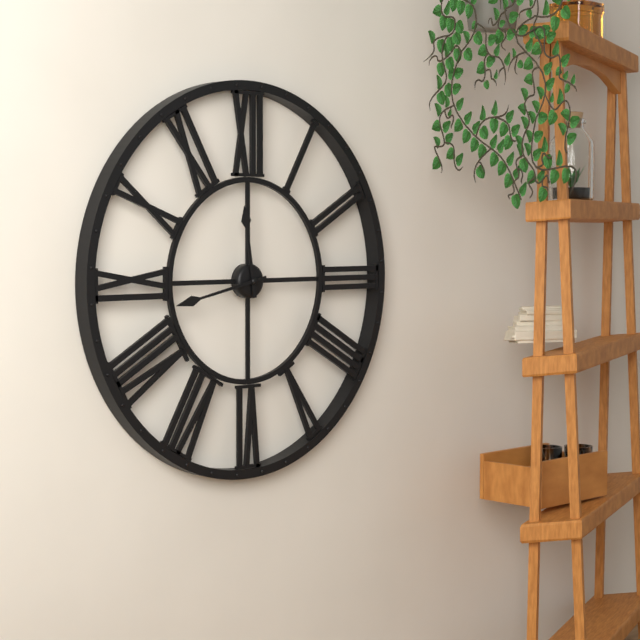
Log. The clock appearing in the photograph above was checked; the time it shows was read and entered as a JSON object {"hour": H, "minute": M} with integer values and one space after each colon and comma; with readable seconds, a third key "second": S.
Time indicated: {"hour": 11, "minute": 43}
